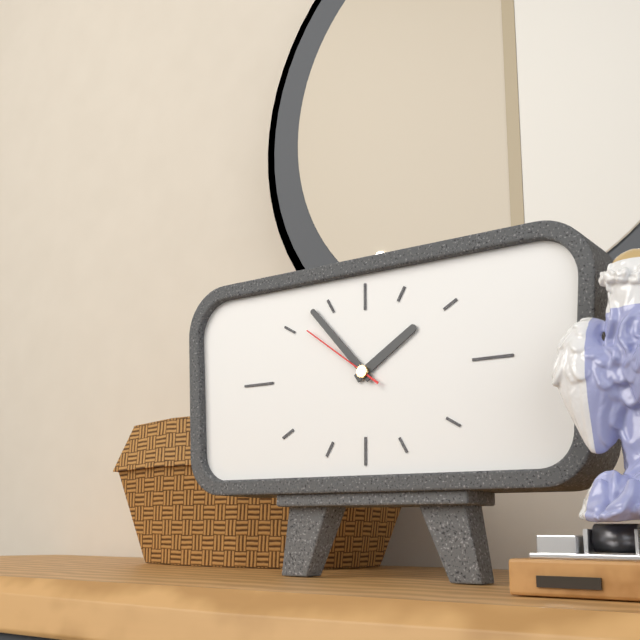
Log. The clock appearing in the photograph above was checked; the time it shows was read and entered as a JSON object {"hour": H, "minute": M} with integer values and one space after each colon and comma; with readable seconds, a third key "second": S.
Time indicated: {"hour": 1, "minute": 53, "second": 51}
